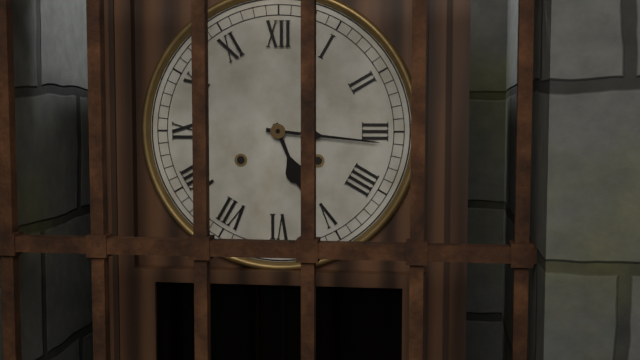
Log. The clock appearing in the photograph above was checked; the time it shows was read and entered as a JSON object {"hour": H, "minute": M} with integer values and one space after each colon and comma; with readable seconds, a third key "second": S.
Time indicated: {"hour": 5, "minute": 16}
